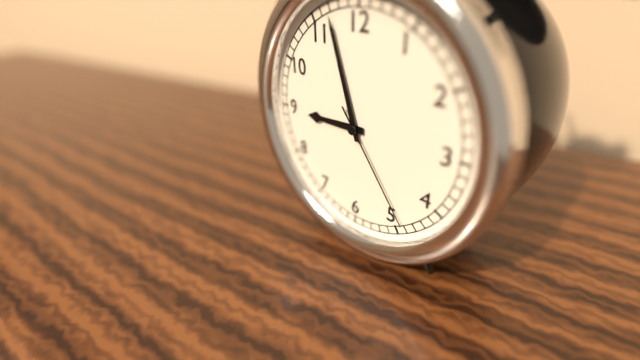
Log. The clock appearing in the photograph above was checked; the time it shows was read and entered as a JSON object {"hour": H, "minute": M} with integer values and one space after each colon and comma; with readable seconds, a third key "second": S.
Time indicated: {"hour": 8, "minute": 57, "second": 24}
